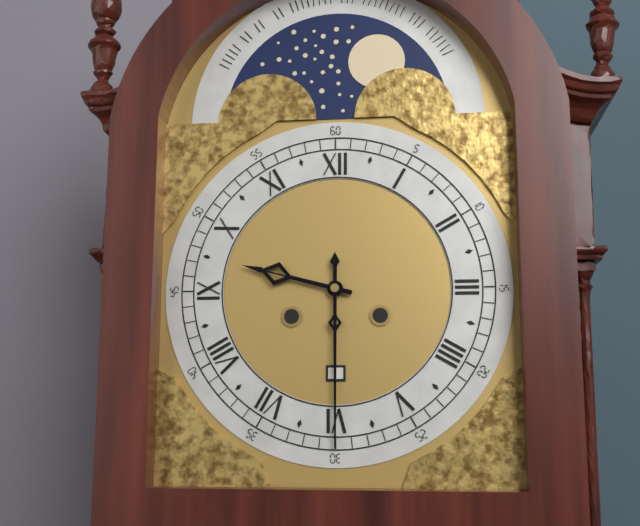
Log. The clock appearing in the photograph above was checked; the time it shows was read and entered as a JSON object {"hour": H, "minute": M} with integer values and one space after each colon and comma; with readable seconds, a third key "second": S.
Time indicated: {"hour": 9, "minute": 30}
